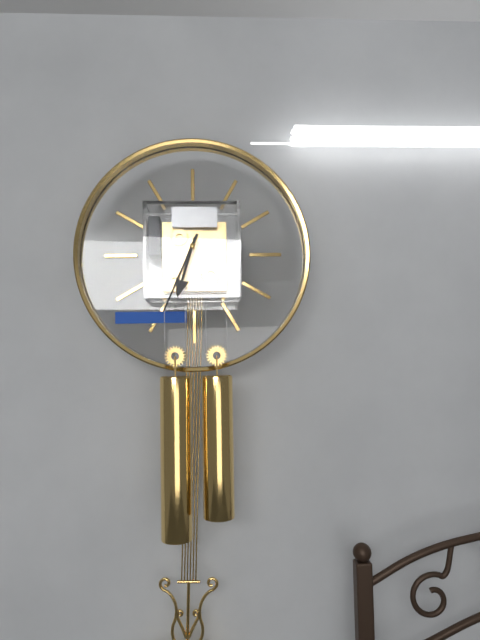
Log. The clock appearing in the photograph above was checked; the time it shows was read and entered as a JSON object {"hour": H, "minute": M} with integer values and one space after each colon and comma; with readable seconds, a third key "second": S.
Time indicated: {"hour": 6, "minute": 34}
